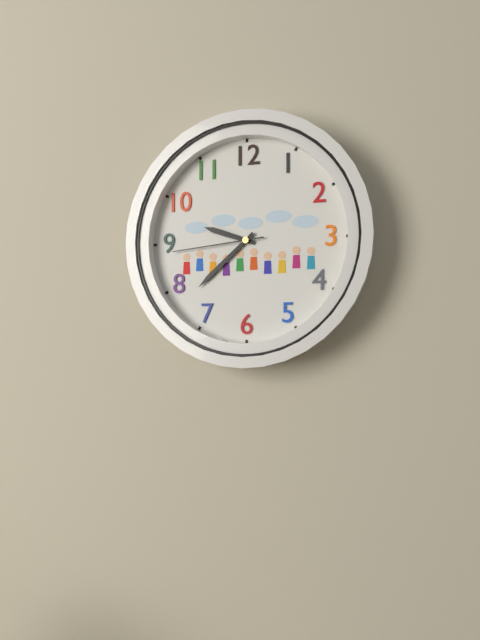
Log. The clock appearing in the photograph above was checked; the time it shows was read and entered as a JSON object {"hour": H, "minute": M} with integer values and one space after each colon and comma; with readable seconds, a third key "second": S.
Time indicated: {"hour": 9, "minute": 38, "second": 44}
